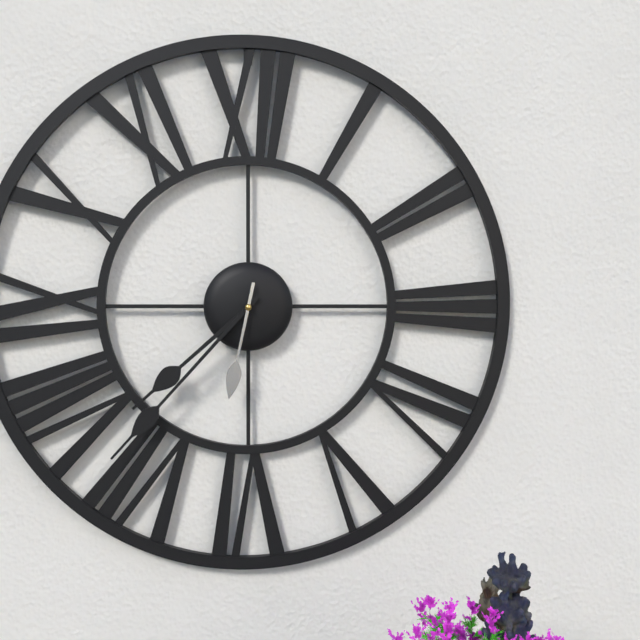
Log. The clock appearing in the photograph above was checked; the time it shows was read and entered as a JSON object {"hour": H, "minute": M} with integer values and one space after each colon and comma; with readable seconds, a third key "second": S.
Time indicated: {"hour": 7, "minute": 37, "second": 32}
